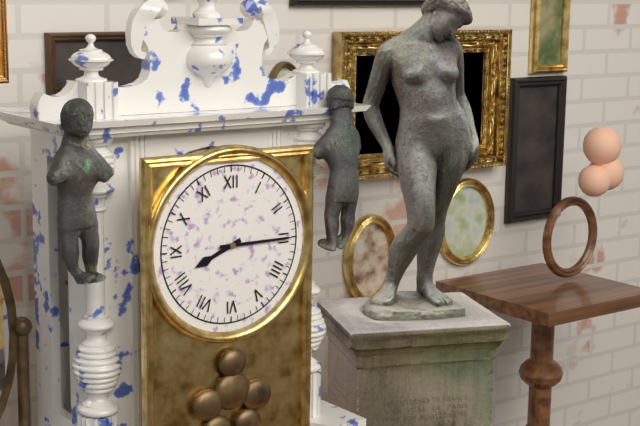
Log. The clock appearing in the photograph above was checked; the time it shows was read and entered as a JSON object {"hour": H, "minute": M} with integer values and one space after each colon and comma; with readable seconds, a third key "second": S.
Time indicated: {"hour": 8, "minute": 15}
